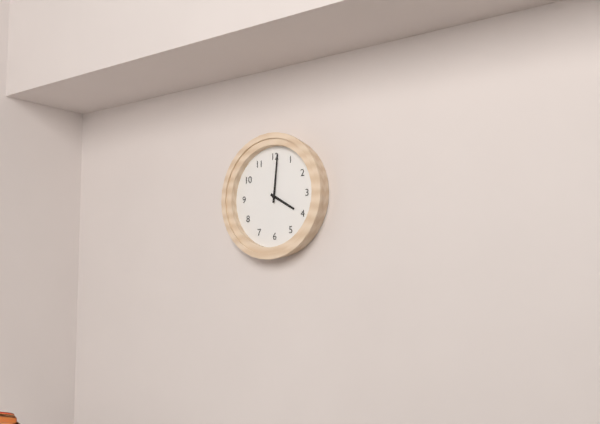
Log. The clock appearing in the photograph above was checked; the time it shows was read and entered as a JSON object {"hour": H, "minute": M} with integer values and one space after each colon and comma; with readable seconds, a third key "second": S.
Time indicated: {"hour": 4, "minute": 1}
